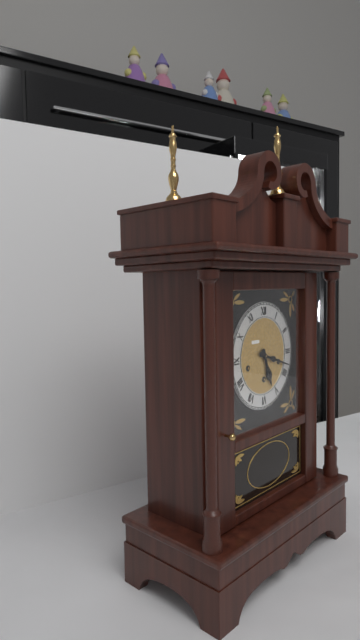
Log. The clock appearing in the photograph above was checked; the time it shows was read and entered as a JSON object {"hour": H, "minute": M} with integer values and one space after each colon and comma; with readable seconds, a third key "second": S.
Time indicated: {"hour": 5, "minute": 18}
